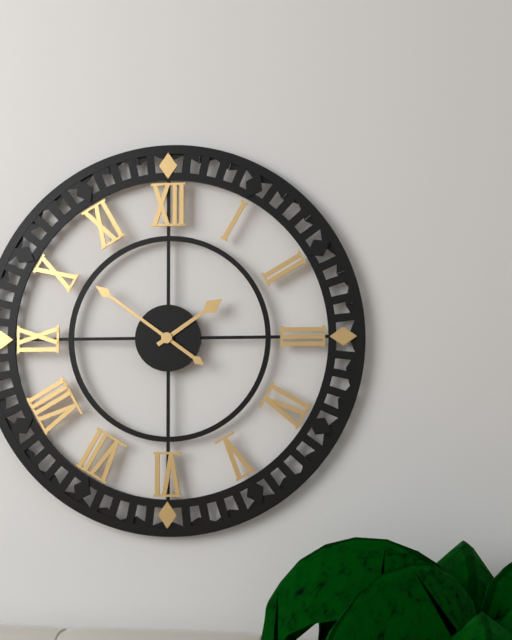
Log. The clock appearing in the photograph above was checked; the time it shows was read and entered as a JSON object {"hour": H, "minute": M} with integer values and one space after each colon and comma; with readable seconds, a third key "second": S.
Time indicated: {"hour": 1, "minute": 51}
